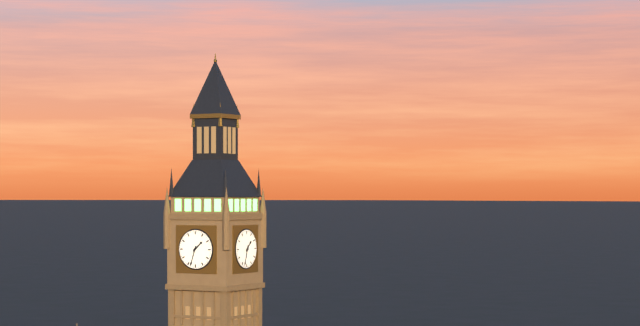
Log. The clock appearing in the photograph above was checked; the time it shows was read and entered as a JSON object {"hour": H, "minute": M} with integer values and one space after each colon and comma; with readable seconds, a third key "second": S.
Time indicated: {"hour": 1, "minute": 33}
